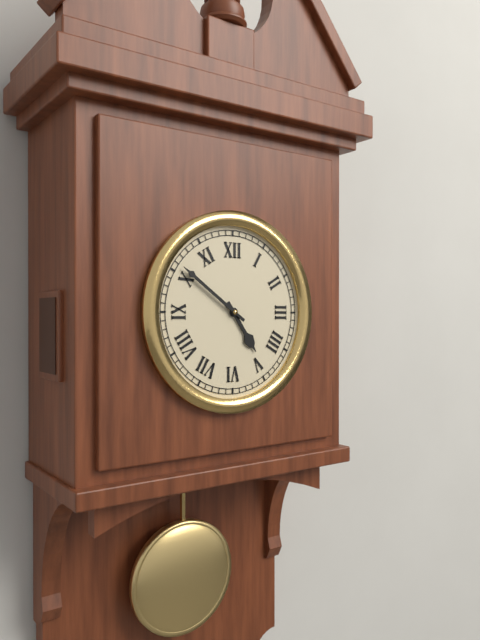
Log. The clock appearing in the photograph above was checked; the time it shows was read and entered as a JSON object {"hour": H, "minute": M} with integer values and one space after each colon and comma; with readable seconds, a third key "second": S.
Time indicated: {"hour": 4, "minute": 51}
